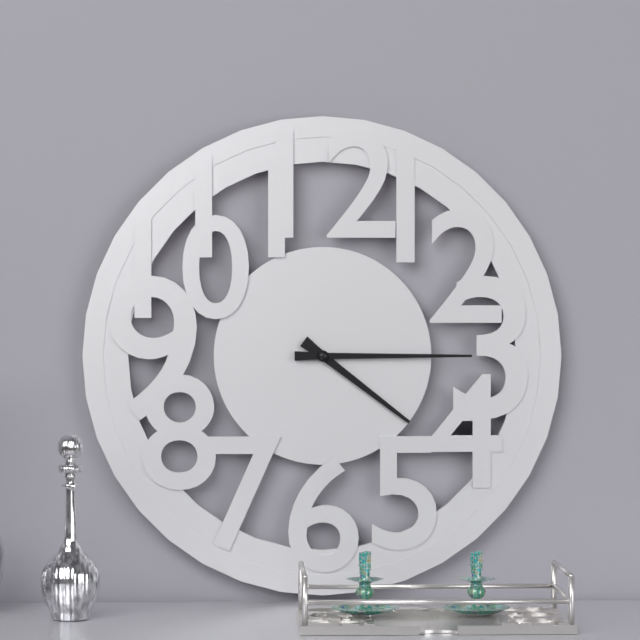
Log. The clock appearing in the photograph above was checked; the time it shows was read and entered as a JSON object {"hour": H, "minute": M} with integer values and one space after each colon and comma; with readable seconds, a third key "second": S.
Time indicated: {"hour": 4, "minute": 15}
